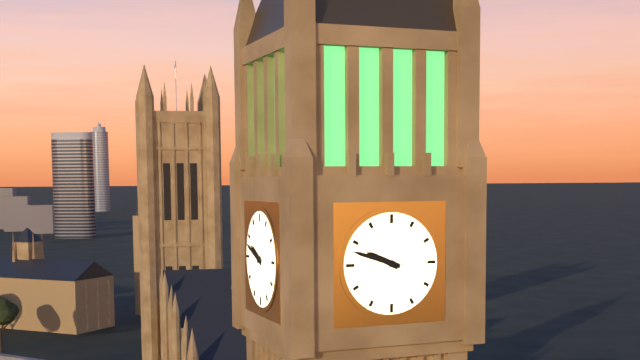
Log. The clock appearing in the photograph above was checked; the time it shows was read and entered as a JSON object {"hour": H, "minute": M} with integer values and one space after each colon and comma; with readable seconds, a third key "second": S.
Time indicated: {"hour": 9, "minute": 48}
